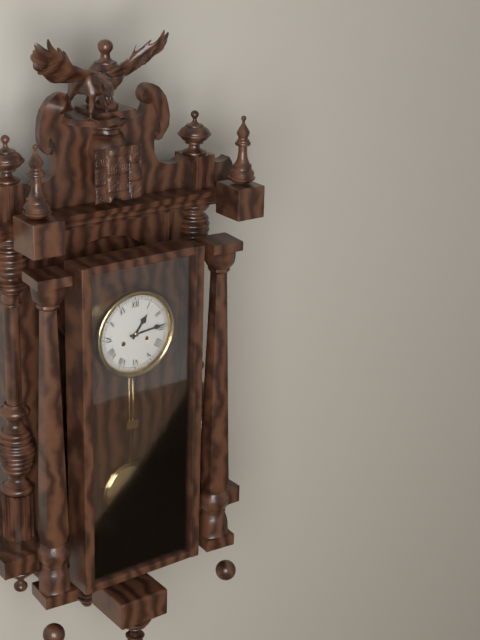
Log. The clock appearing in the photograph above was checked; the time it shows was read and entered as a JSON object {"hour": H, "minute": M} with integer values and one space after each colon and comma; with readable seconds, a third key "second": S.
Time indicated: {"hour": 1, "minute": 14}
